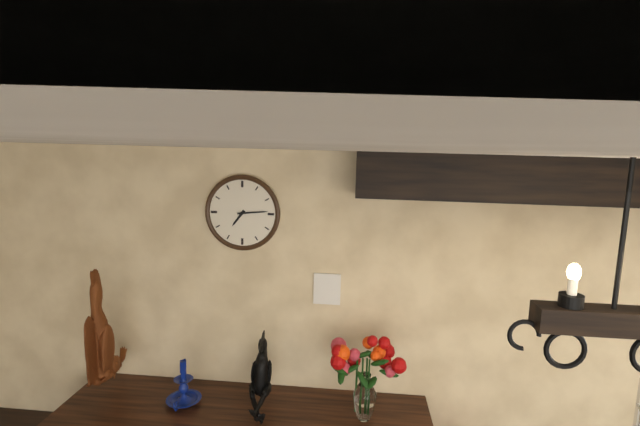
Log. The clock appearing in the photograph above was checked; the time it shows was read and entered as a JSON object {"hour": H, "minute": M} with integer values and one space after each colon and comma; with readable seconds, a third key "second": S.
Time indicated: {"hour": 7, "minute": 14}
